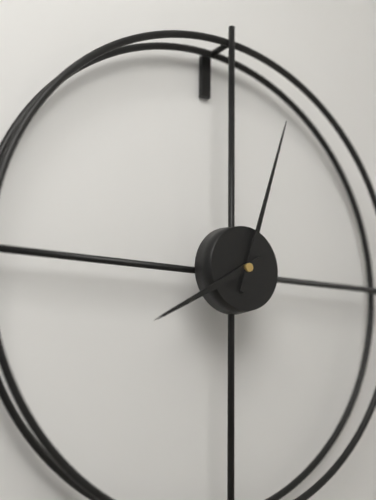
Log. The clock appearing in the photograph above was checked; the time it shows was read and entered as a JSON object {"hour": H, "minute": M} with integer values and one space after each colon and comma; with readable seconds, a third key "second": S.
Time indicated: {"hour": 8, "minute": 3}
